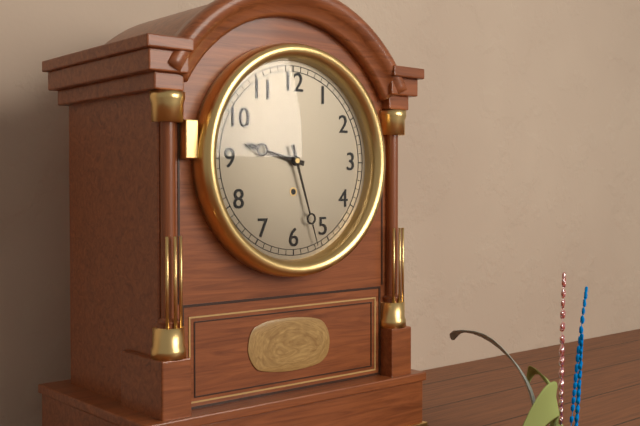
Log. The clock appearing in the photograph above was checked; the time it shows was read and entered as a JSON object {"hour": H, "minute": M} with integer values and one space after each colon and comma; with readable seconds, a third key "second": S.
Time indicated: {"hour": 9, "minute": 27}
